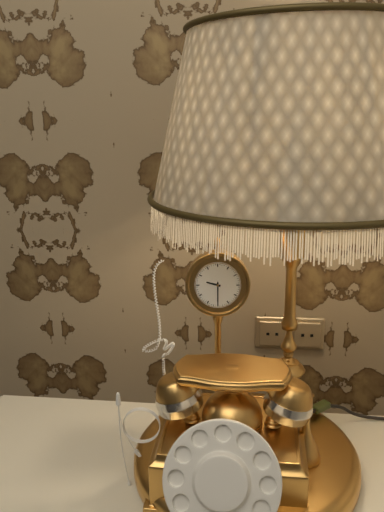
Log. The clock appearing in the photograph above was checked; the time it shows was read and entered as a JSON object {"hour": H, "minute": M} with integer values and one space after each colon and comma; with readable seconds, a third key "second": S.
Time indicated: {"hour": 9, "minute": 30}
